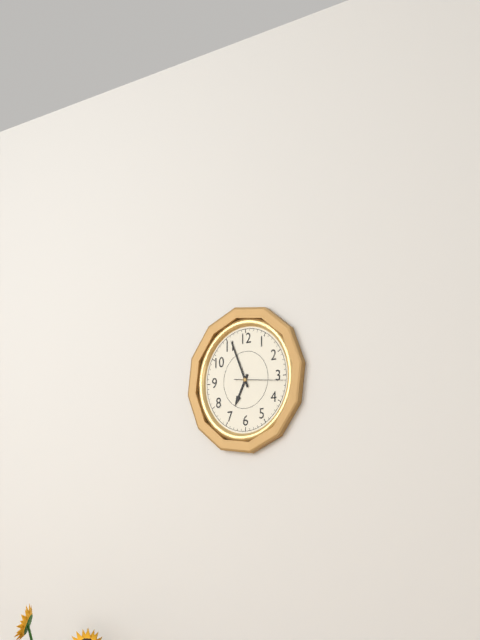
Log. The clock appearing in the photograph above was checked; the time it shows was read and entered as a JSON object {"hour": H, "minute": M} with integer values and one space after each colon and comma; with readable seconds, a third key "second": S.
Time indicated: {"hour": 6, "minute": 56}
